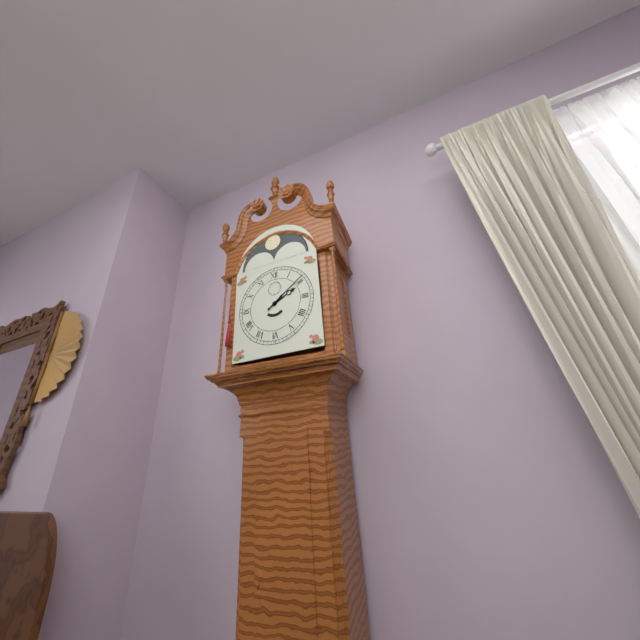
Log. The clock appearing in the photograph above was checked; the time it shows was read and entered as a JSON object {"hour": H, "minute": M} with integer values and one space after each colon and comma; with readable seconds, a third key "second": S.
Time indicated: {"hour": 2, "minute": 9}
